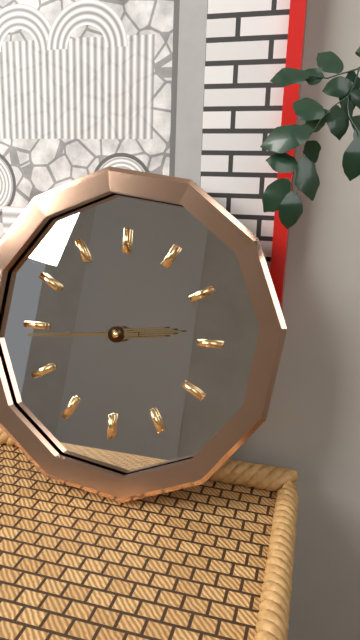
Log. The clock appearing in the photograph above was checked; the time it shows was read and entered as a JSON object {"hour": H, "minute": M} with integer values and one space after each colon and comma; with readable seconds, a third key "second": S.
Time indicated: {"hour": 2, "minute": 44}
